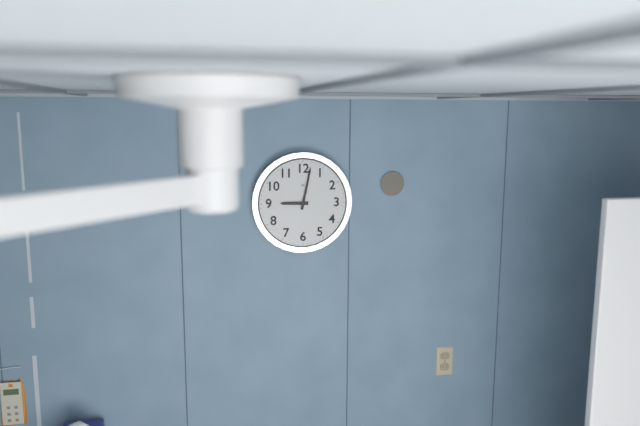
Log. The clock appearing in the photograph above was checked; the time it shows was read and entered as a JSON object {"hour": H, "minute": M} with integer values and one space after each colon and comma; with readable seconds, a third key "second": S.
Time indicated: {"hour": 9, "minute": 2}
